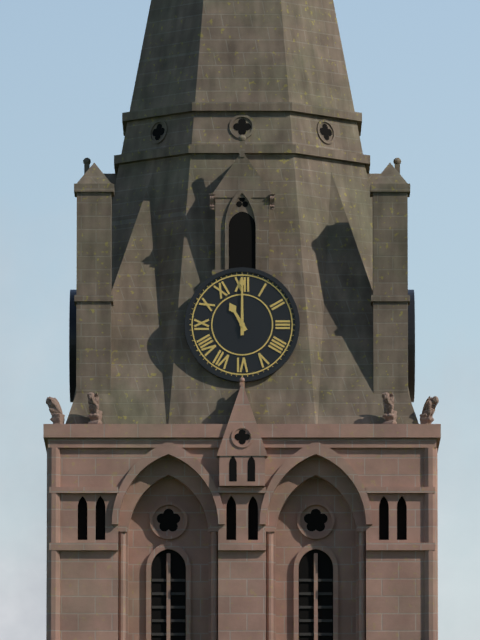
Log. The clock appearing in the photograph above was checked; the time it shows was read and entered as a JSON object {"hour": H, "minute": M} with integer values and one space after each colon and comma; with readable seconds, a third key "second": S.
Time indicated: {"hour": 11, "minute": 0}
